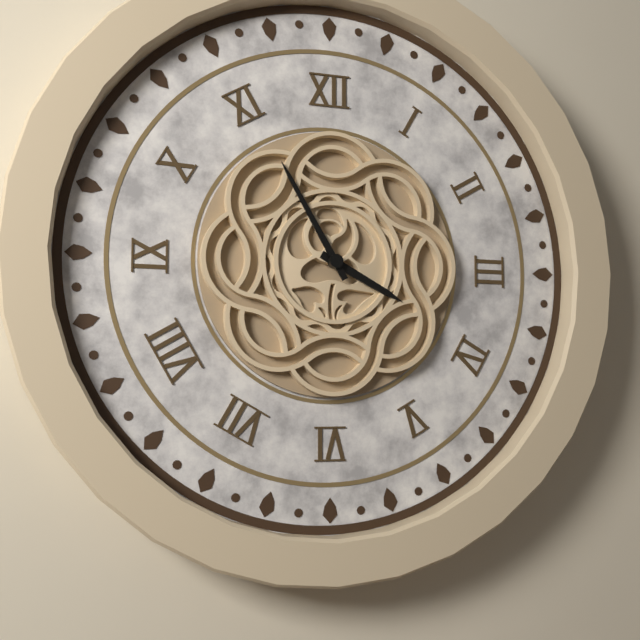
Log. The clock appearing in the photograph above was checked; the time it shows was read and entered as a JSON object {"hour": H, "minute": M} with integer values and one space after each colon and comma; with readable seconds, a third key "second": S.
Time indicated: {"hour": 3, "minute": 55}
